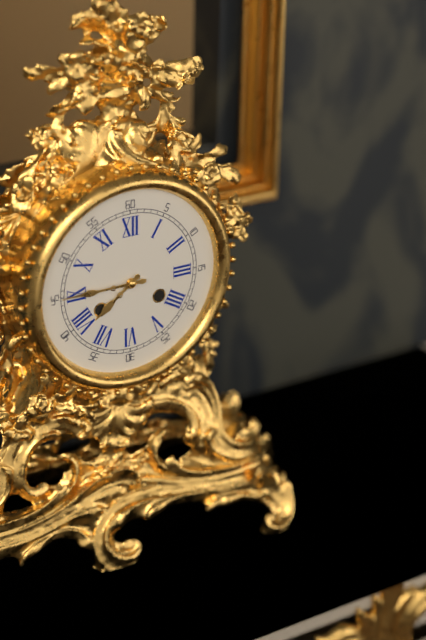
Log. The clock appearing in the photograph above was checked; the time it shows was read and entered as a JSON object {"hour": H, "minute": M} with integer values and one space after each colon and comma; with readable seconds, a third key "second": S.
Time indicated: {"hour": 7, "minute": 45}
